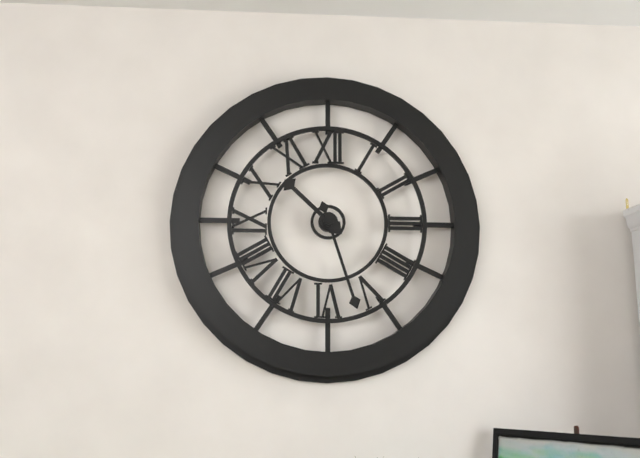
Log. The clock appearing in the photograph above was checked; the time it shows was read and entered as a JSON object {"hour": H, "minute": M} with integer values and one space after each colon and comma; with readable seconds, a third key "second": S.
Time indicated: {"hour": 10, "minute": 27}
